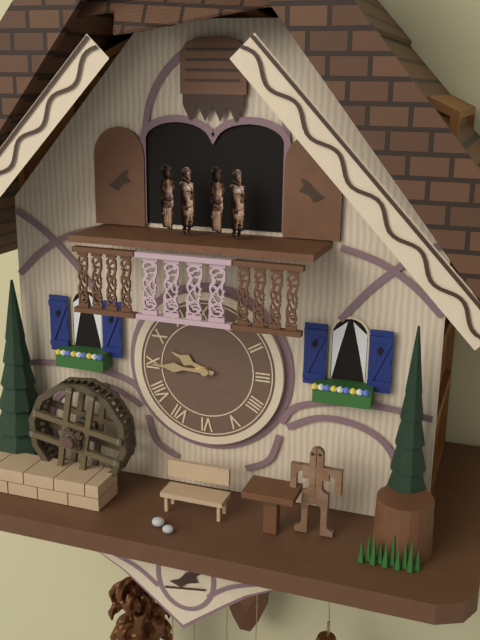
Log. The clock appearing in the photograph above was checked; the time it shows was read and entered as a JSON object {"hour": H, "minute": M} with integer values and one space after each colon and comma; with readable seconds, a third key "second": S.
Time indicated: {"hour": 9, "minute": 45}
